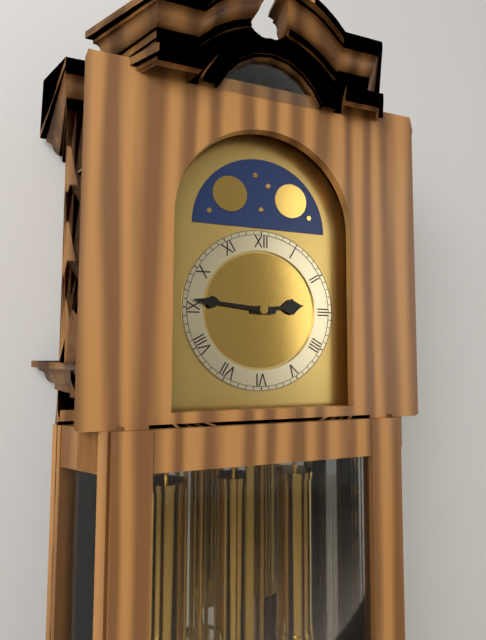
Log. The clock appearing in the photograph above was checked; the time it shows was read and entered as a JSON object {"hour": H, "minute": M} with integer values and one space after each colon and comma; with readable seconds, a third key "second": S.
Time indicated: {"hour": 2, "minute": 46}
